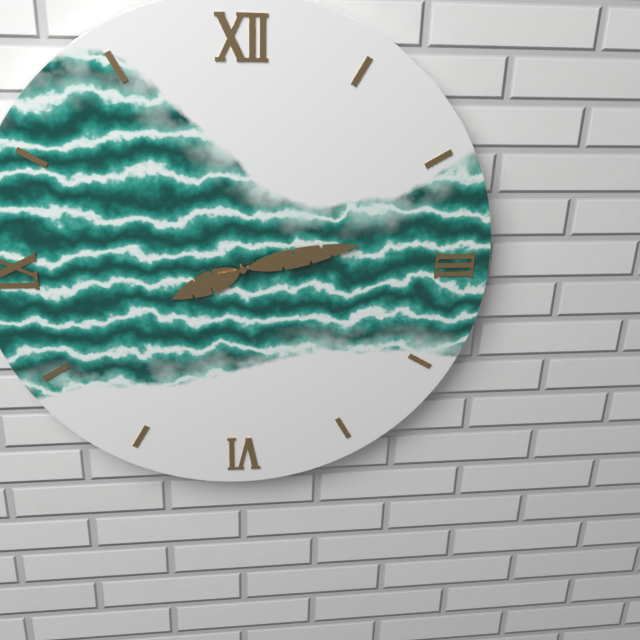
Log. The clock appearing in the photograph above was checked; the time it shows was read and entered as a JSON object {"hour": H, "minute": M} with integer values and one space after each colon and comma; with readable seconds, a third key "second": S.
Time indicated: {"hour": 8, "minute": 13}
